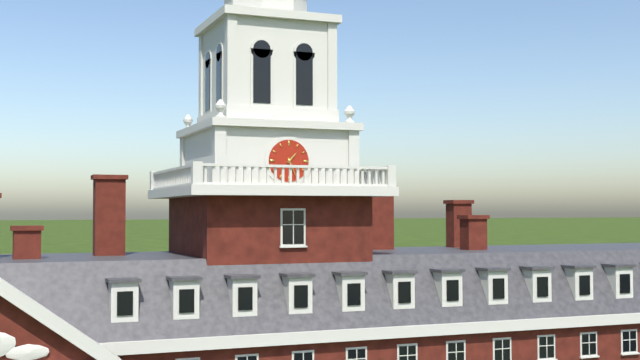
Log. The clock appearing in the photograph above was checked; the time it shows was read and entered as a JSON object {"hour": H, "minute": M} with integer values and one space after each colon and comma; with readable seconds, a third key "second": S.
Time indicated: {"hour": 1, "minute": 26}
